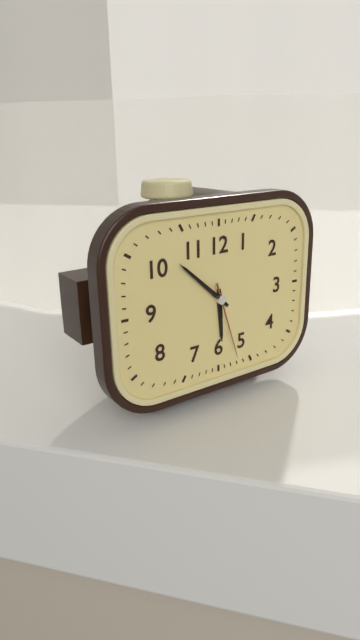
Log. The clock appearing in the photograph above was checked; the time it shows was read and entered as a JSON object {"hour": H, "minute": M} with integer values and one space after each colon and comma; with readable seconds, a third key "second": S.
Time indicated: {"hour": 5, "minute": 52, "second": 27}
